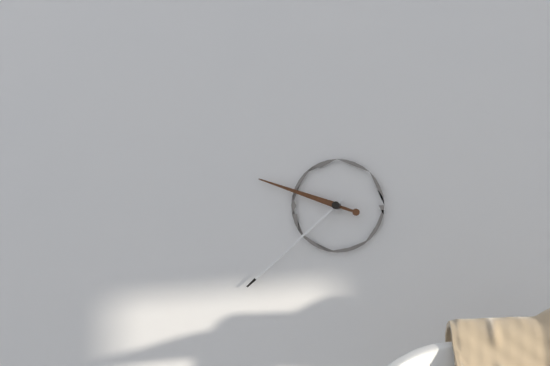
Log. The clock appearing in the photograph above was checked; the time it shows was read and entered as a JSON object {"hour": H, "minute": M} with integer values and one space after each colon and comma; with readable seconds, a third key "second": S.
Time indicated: {"hour": 9, "minute": 38}
